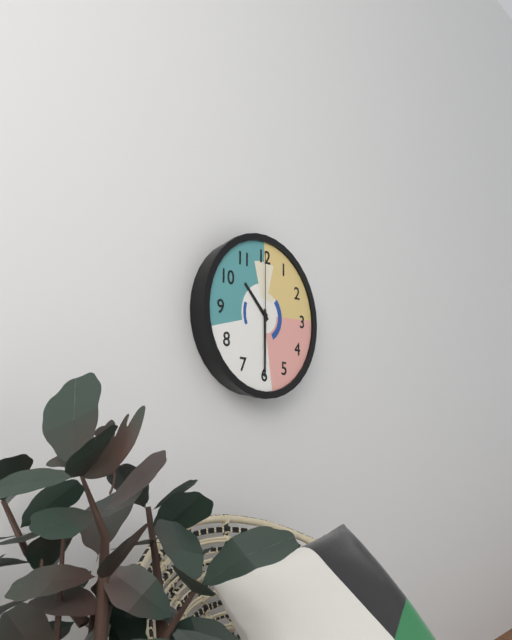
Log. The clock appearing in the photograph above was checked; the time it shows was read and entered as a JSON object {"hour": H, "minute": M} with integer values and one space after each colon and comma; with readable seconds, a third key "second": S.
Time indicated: {"hour": 10, "minute": 30, "second": 0}
